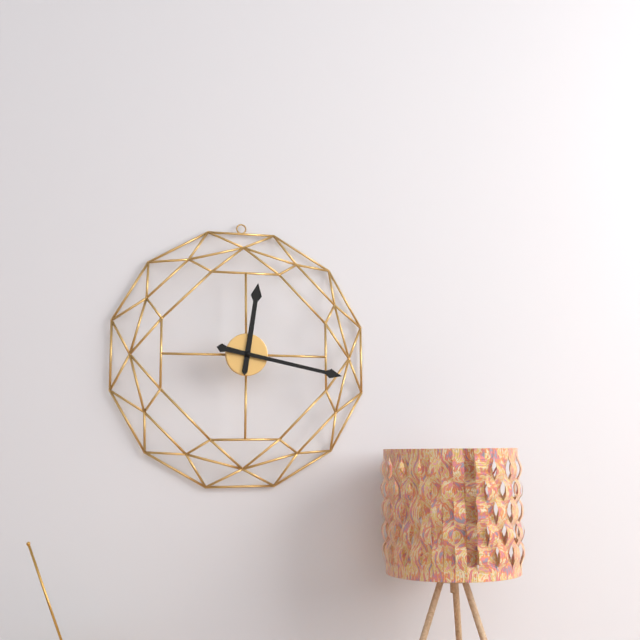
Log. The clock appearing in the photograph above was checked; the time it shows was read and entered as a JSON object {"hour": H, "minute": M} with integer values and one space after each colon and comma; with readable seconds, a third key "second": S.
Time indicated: {"hour": 12, "minute": 17}
